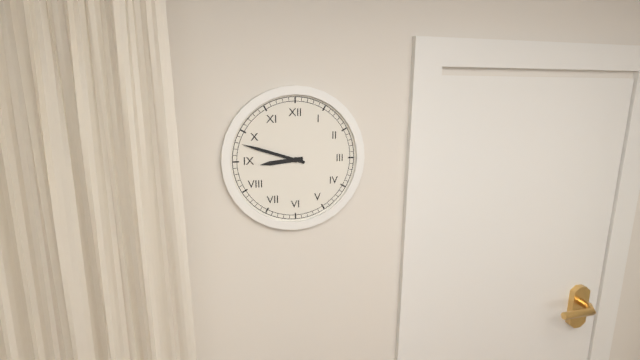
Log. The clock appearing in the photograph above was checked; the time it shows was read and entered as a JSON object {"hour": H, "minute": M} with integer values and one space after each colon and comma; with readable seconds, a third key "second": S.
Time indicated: {"hour": 8, "minute": 48}
